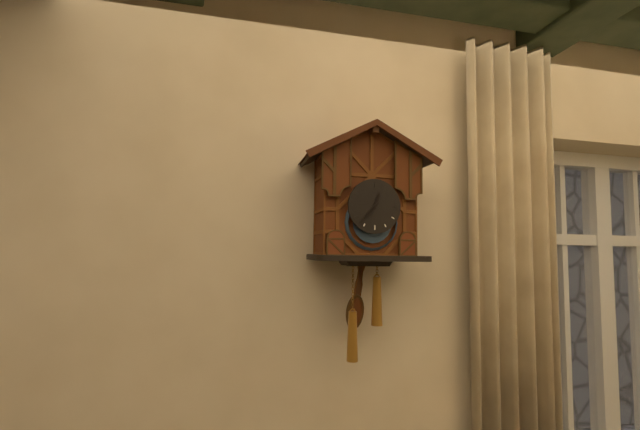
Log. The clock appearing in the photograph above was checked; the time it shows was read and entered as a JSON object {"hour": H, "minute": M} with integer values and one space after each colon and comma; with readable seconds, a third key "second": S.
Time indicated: {"hour": 12, "minute": 37}
